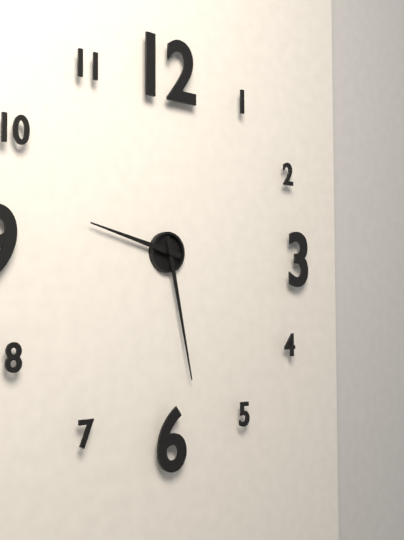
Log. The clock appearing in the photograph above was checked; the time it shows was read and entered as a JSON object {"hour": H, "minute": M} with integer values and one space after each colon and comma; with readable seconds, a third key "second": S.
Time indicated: {"hour": 9, "minute": 28}
